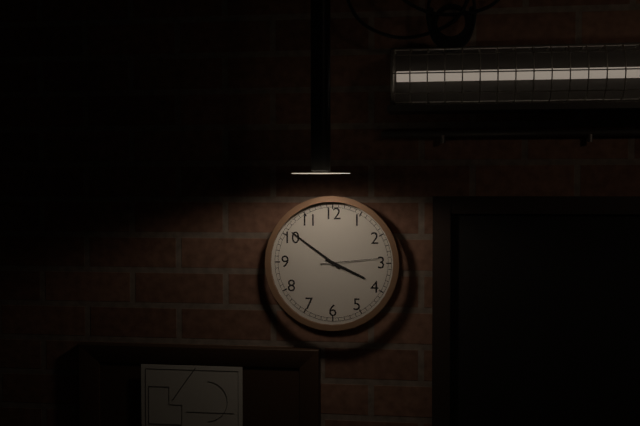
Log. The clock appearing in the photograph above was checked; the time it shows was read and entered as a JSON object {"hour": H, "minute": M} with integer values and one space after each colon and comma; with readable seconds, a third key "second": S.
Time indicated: {"hour": 3, "minute": 51, "second": 14}
